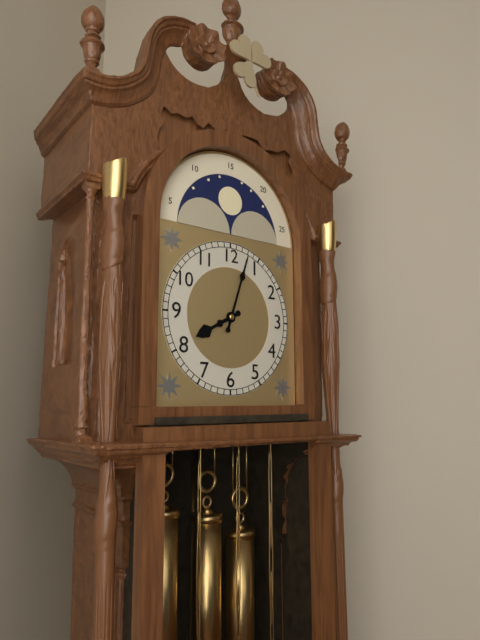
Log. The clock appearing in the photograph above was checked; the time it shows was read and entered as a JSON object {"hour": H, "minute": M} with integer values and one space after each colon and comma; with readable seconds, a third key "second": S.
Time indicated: {"hour": 8, "minute": 3}
